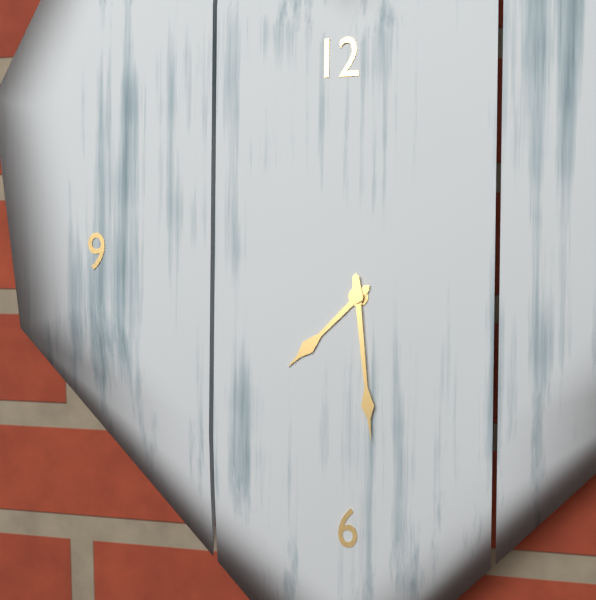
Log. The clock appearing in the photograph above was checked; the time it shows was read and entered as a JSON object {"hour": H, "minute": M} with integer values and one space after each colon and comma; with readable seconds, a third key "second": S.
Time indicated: {"hour": 7, "minute": 29}
